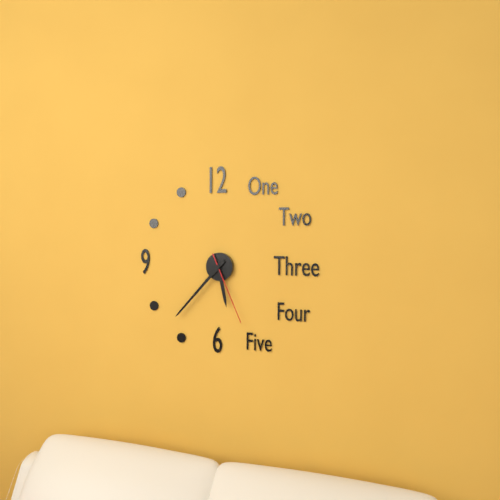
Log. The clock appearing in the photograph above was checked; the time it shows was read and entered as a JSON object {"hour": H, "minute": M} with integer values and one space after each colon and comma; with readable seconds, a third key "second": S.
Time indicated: {"hour": 5, "minute": 37, "second": 26}
